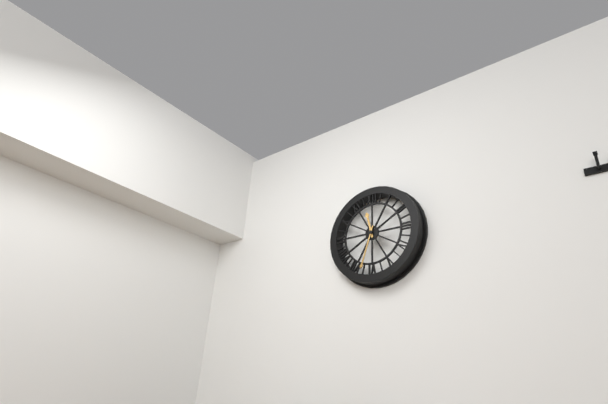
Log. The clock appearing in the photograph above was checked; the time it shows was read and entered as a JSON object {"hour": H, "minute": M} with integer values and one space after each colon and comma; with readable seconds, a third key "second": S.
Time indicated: {"hour": 11, "minute": 33}
